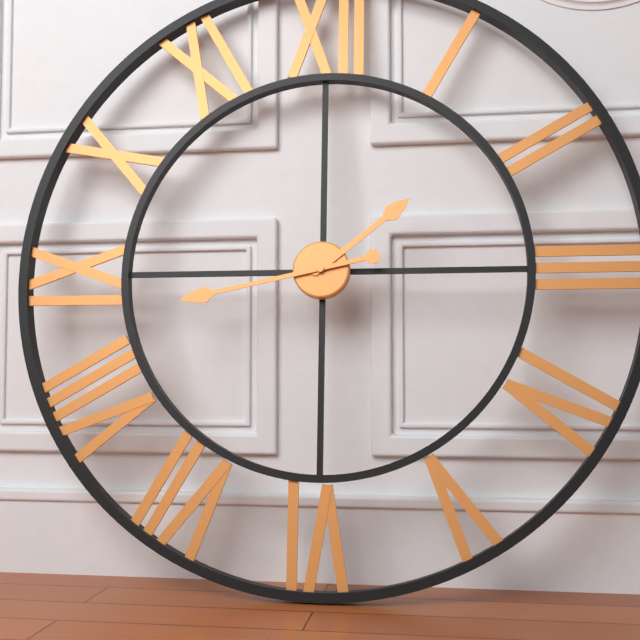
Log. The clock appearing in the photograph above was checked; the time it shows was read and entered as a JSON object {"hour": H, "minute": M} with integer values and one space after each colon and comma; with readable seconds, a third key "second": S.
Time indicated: {"hour": 1, "minute": 43}
